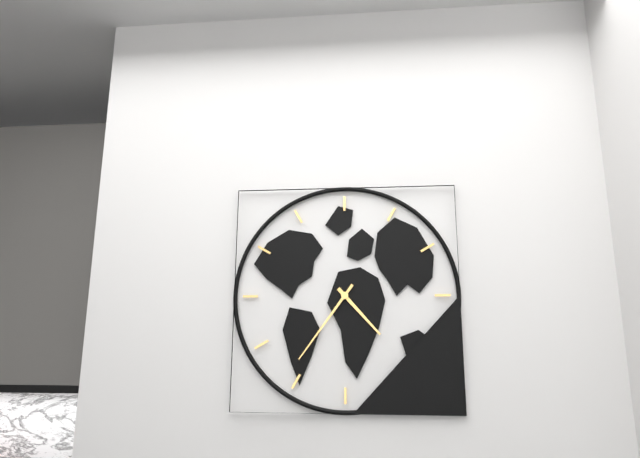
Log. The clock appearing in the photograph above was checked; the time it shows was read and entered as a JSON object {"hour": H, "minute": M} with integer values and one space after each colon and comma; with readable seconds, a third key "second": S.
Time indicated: {"hour": 4, "minute": 36}
